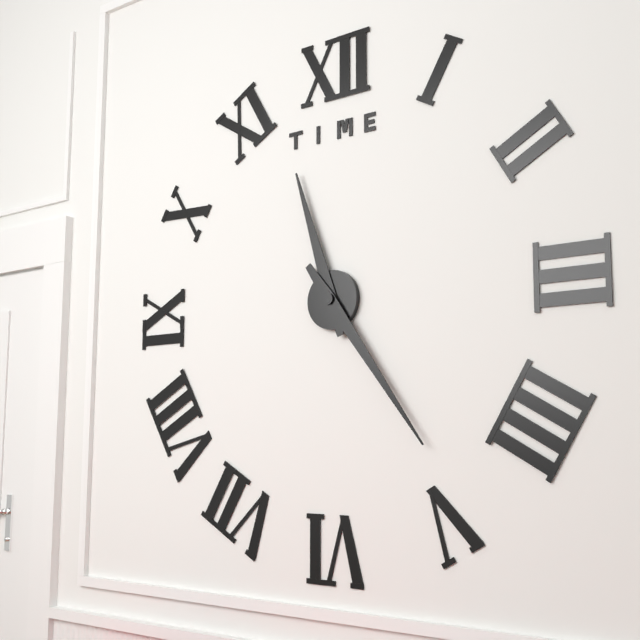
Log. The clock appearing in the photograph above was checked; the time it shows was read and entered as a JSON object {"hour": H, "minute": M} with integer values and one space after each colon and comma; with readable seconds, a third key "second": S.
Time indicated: {"hour": 11, "minute": 24}
